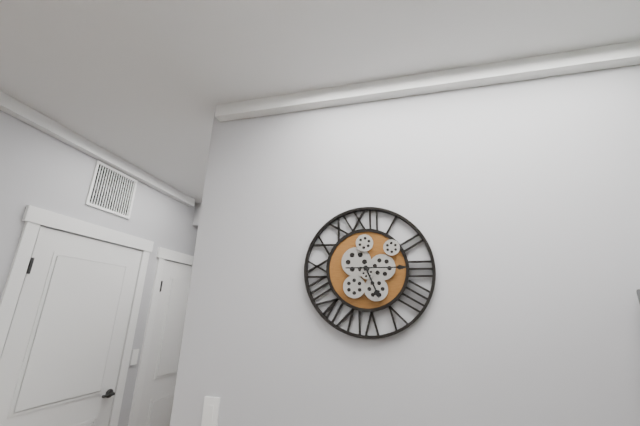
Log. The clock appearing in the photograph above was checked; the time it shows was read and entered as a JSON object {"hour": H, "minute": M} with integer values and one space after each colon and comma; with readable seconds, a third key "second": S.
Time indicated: {"hour": 5, "minute": 15}
